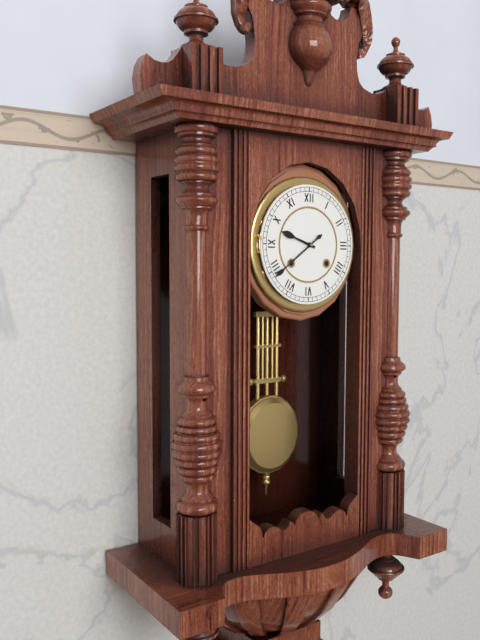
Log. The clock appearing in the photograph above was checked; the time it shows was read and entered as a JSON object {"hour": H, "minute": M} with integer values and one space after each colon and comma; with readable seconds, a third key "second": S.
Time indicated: {"hour": 9, "minute": 39}
